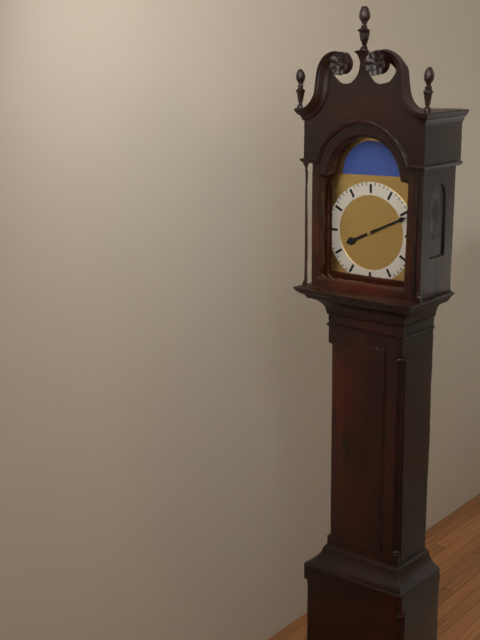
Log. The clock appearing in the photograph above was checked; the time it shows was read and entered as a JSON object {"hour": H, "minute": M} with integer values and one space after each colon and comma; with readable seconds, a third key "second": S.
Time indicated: {"hour": 8, "minute": 11}
